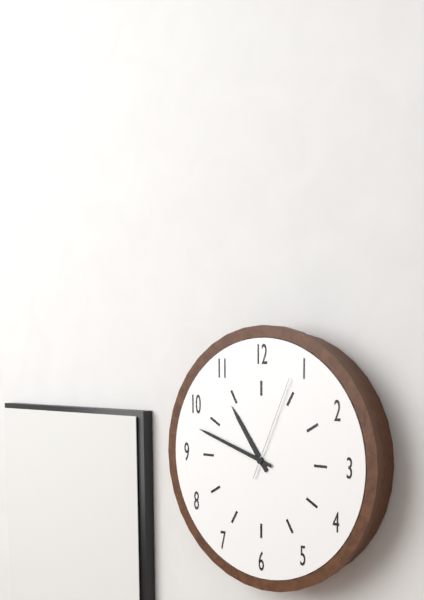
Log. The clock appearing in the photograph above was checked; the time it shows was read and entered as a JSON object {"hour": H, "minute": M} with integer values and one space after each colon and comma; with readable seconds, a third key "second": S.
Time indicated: {"hour": 10, "minute": 48, "second": 4}
